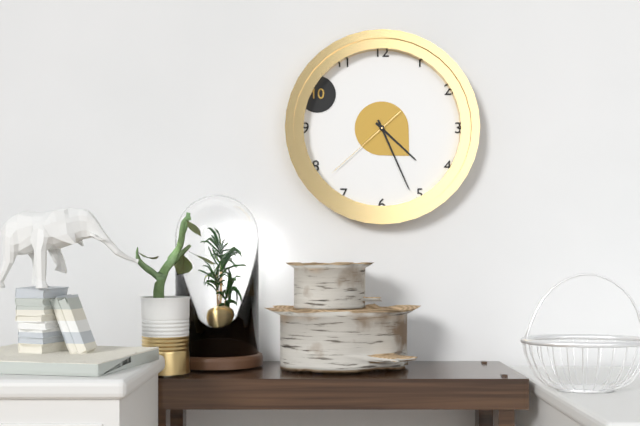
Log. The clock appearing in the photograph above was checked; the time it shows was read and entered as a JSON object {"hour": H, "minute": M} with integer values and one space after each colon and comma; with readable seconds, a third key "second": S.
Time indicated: {"hour": 4, "minute": 26, "second": 38}
